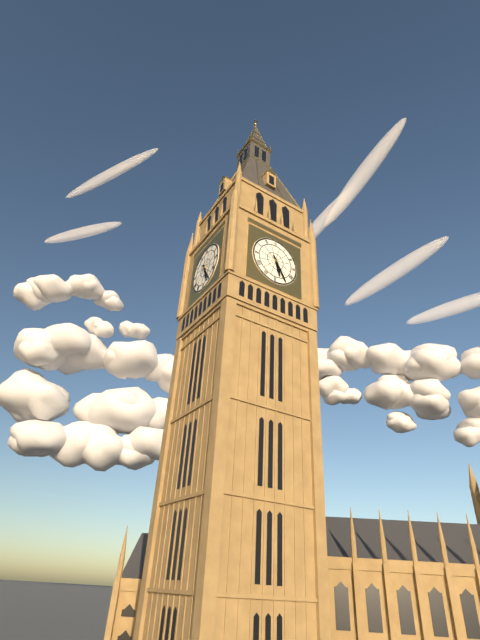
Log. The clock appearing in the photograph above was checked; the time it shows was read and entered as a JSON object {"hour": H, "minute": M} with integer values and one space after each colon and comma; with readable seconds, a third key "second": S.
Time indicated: {"hour": 5, "minute": 25}
